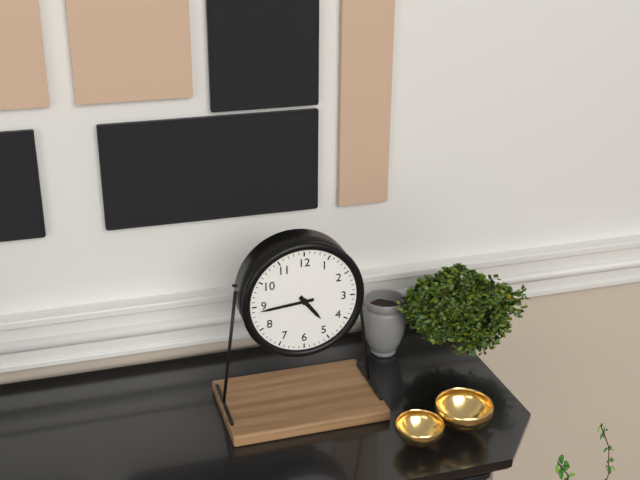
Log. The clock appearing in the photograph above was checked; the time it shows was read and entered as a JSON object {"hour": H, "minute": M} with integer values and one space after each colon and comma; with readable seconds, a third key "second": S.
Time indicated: {"hour": 4, "minute": 44}
